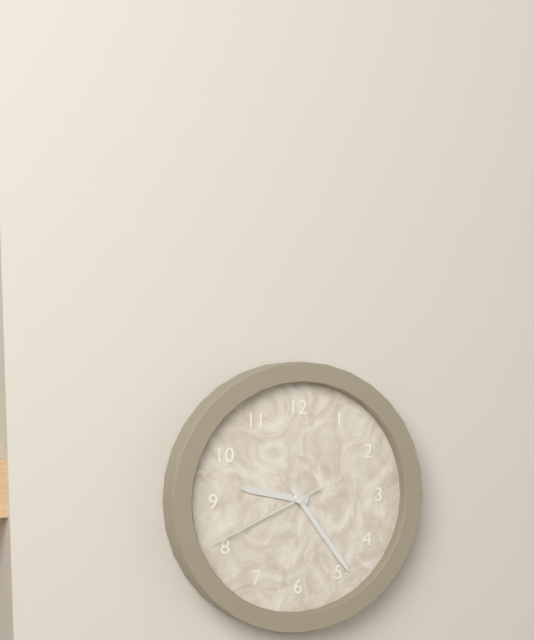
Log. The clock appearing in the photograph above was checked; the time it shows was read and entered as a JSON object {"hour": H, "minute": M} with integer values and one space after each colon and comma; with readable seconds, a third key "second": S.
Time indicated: {"hour": 9, "minute": 24, "second": 41}
